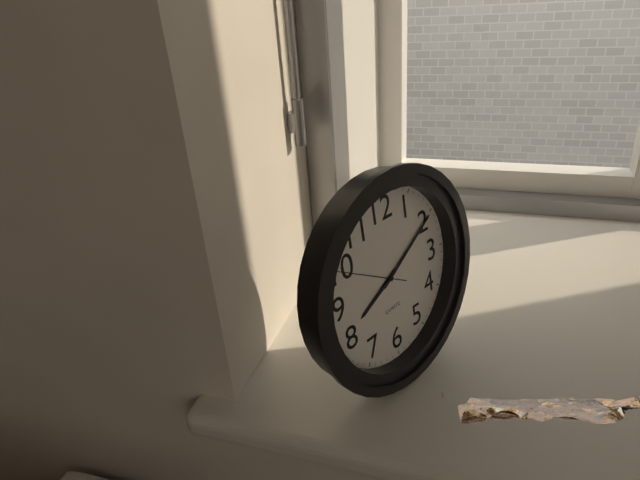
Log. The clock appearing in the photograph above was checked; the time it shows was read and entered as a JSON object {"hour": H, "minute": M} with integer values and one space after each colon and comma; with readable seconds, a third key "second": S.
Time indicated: {"hour": 8, "minute": 10, "second": 50}
